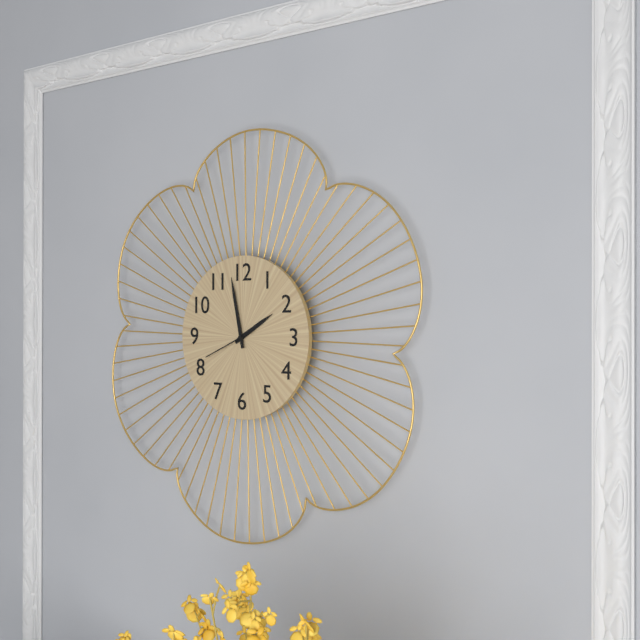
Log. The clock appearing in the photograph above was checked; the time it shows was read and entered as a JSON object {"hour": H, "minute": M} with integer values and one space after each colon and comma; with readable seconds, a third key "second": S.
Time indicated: {"hour": 1, "minute": 58, "second": 41}
